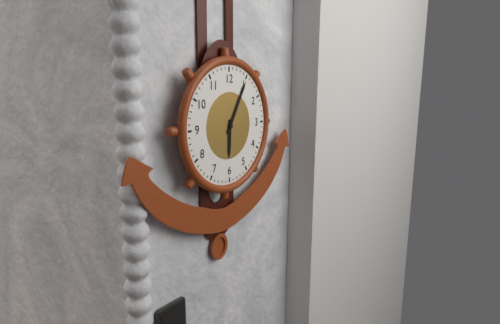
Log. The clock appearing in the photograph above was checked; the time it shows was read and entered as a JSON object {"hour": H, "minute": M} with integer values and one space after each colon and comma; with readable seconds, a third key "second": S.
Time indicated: {"hour": 6, "minute": 5}
